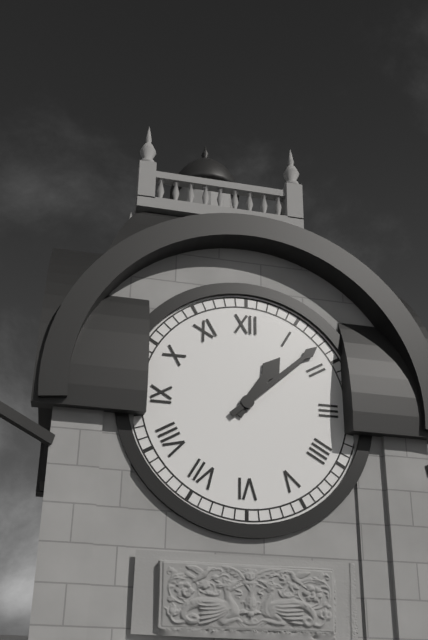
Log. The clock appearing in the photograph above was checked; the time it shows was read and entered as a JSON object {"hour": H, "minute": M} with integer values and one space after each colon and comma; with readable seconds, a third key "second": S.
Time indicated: {"hour": 1, "minute": 8}
